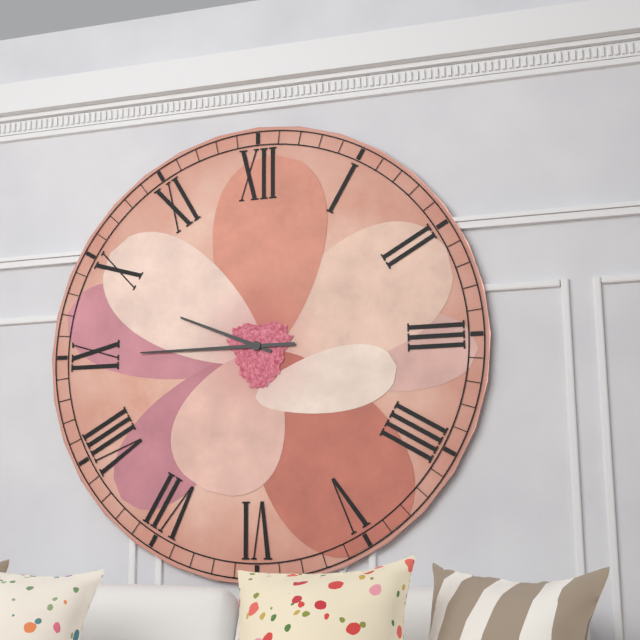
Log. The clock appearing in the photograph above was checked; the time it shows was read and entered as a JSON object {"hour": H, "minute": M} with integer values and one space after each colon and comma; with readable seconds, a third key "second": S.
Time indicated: {"hour": 9, "minute": 45}
